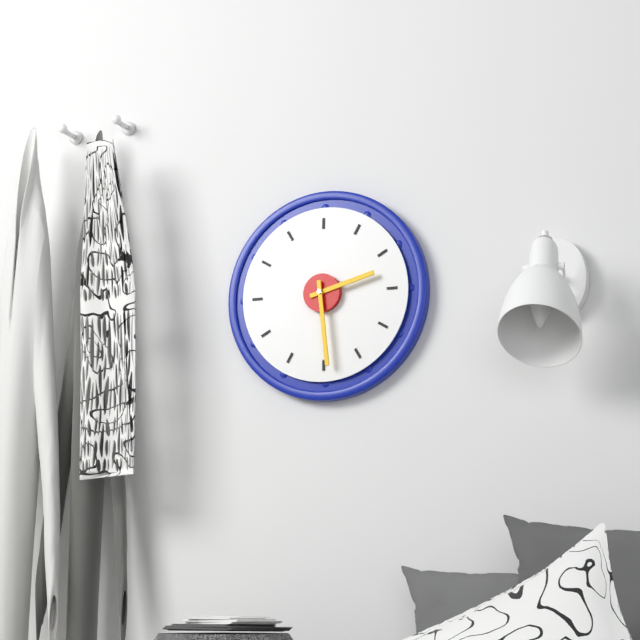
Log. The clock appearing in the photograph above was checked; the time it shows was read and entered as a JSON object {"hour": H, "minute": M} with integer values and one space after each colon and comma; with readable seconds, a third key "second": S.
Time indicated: {"hour": 2, "minute": 29}
